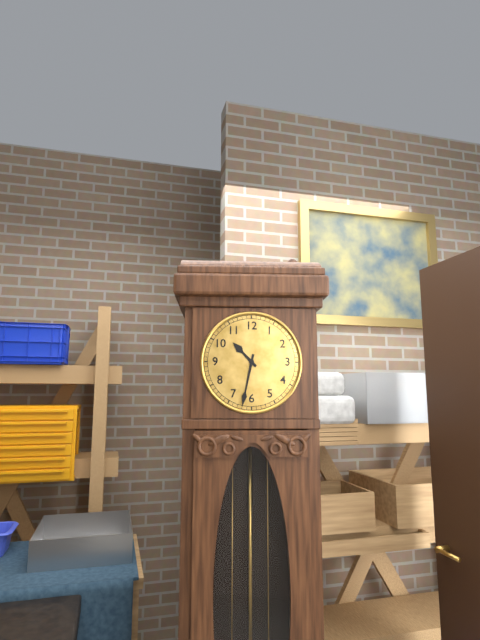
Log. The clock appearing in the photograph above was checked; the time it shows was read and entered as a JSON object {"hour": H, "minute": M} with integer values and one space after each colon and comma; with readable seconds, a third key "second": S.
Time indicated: {"hour": 10, "minute": 32}
